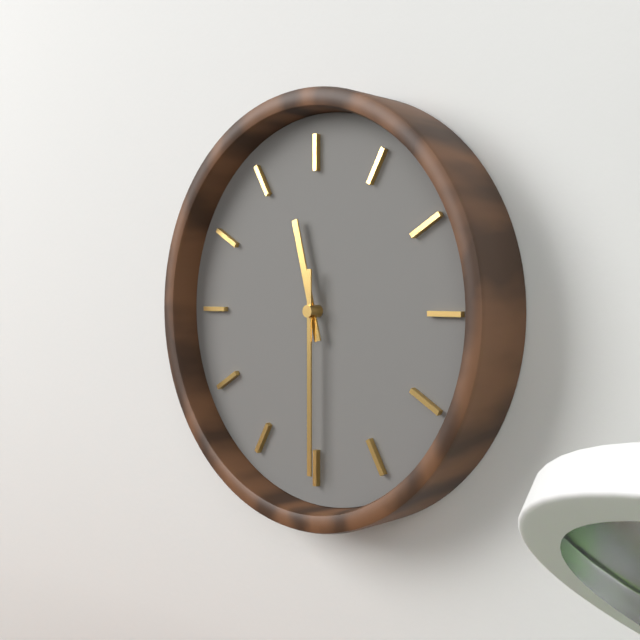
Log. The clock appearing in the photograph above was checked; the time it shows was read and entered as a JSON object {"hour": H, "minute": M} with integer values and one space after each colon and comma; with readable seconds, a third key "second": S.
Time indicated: {"hour": 11, "minute": 30}
